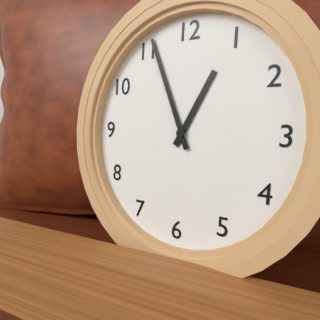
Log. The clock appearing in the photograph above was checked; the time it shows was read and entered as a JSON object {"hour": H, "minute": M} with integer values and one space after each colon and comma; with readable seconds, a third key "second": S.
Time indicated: {"hour": 12, "minute": 56}
